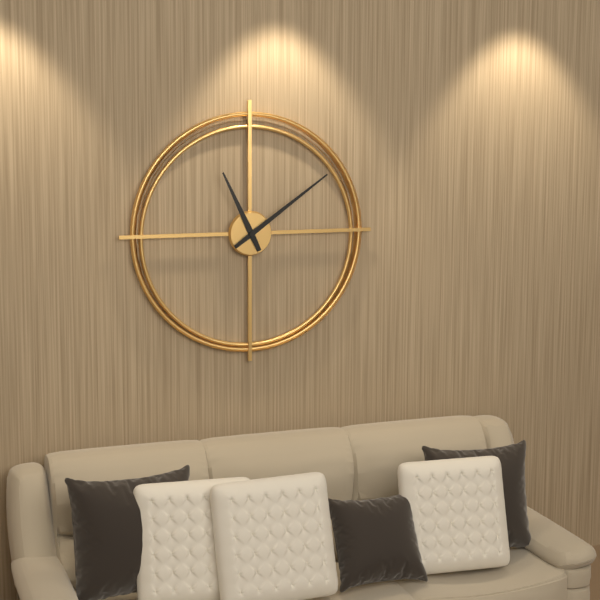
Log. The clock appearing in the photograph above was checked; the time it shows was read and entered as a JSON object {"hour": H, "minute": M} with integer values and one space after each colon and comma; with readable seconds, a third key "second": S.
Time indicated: {"hour": 11, "minute": 9}
